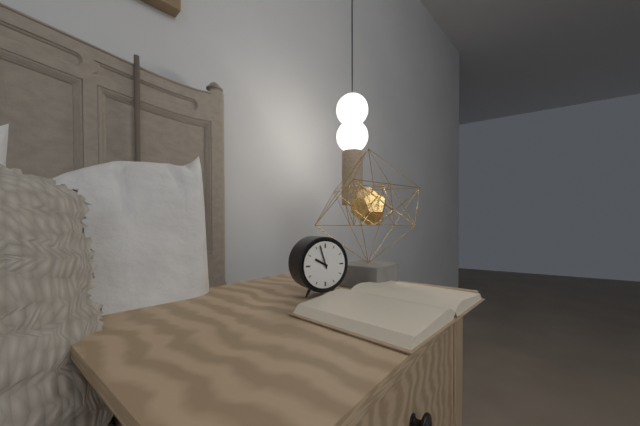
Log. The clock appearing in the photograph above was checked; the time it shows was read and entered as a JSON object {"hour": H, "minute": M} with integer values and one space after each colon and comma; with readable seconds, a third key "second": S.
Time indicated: {"hour": 9, "minute": 57}
